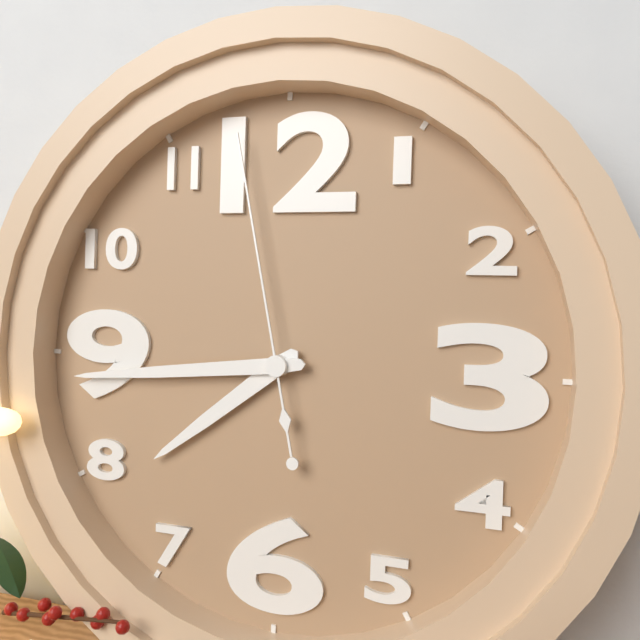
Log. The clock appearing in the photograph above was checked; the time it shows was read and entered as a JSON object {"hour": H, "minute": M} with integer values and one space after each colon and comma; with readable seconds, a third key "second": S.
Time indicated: {"hour": 7, "minute": 44, "second": 58}
